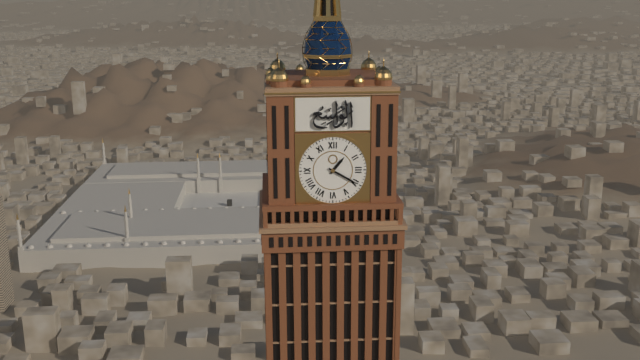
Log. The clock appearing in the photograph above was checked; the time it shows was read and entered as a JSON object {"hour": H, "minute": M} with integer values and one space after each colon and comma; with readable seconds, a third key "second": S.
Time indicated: {"hour": 1, "minute": 20}
